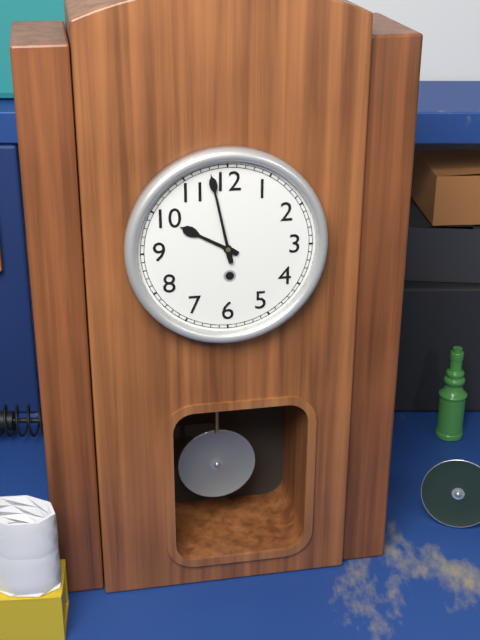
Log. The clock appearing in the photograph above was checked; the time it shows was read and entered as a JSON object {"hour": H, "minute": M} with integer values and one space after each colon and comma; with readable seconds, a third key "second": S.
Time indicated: {"hour": 9, "minute": 58}
